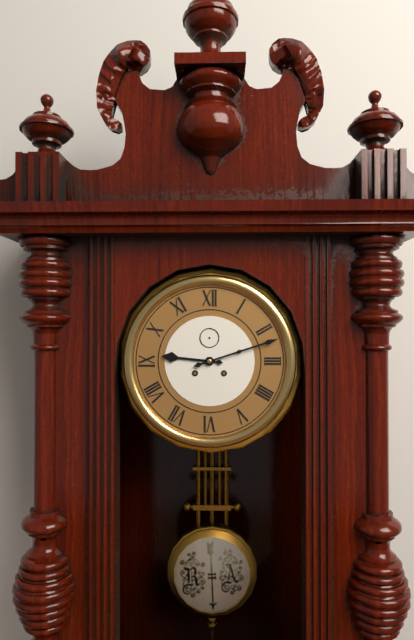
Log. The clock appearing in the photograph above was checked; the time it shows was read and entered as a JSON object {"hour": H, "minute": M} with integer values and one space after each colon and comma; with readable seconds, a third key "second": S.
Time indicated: {"hour": 9, "minute": 12}
